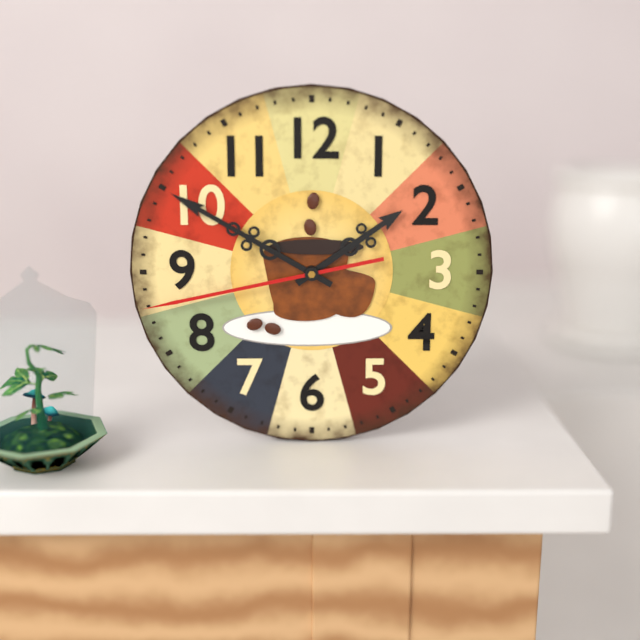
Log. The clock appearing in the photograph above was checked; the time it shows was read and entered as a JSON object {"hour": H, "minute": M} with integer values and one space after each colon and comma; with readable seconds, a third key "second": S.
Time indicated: {"hour": 1, "minute": 50, "second": 43}
